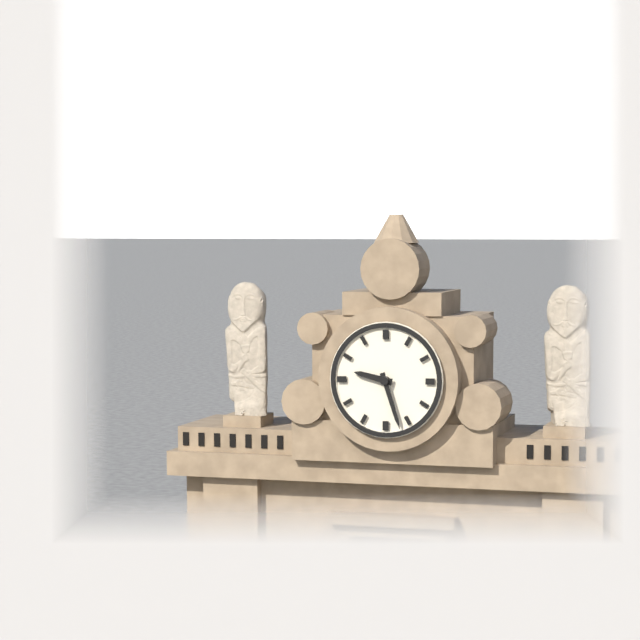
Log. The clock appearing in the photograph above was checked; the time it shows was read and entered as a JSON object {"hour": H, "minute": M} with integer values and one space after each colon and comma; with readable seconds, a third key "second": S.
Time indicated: {"hour": 9, "minute": 27}
